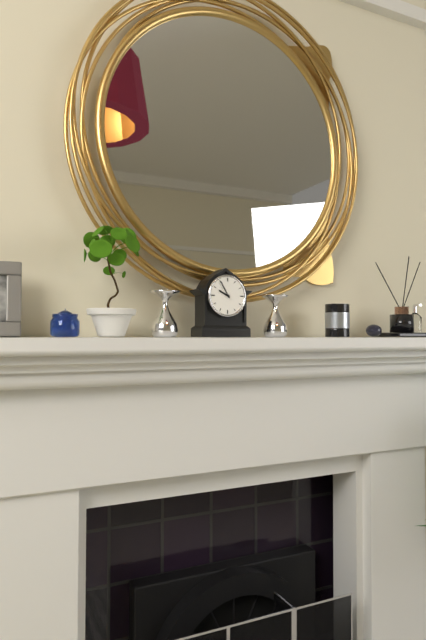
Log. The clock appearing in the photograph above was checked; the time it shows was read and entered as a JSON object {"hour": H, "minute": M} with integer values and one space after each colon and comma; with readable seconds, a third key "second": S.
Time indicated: {"hour": 9, "minute": 55}
